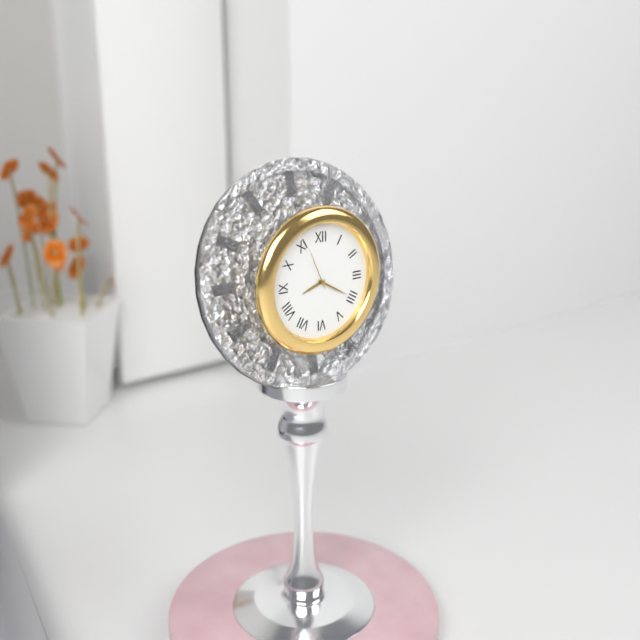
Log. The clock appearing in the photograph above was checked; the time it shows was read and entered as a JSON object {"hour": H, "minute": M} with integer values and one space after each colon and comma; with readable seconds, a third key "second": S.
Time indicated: {"hour": 8, "minute": 20}
